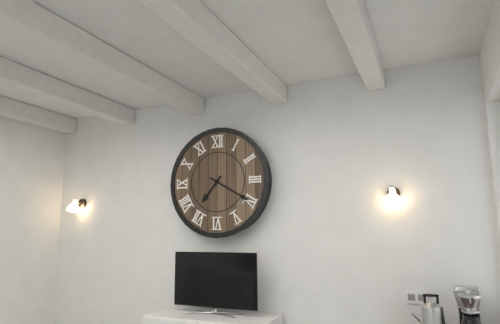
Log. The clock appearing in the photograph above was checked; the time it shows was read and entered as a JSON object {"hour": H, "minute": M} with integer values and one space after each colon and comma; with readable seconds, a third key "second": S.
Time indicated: {"hour": 7, "minute": 20}
